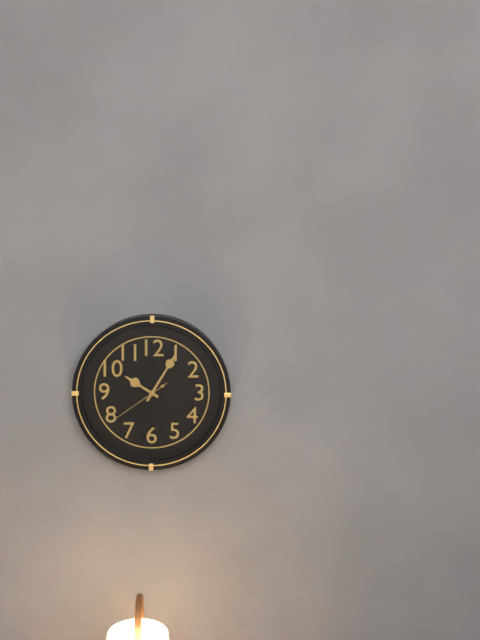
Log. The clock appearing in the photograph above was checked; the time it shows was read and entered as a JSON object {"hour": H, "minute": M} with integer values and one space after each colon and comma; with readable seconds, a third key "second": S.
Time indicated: {"hour": 10, "minute": 5, "second": 39}
